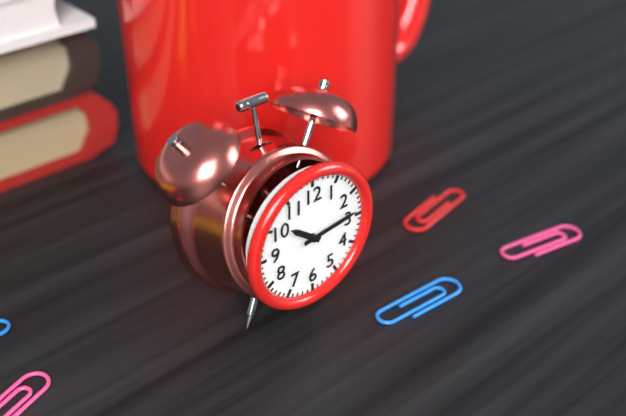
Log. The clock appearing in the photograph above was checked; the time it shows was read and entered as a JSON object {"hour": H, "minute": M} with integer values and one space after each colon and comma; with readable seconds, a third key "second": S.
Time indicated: {"hour": 10, "minute": 14}
